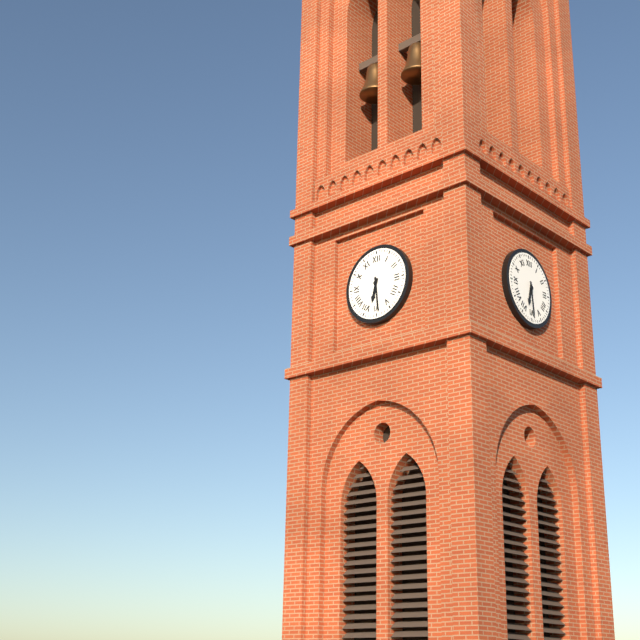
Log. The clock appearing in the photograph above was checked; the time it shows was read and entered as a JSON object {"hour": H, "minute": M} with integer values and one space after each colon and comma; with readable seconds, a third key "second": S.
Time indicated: {"hour": 6, "minute": 29}
